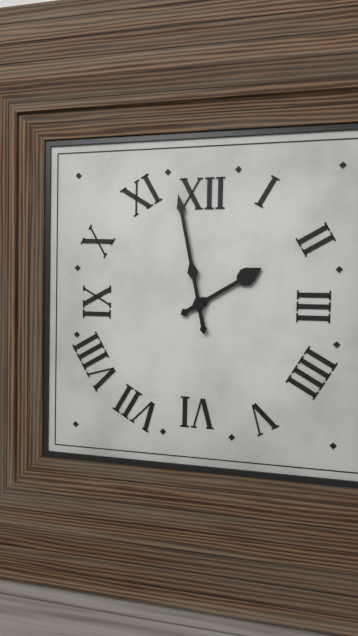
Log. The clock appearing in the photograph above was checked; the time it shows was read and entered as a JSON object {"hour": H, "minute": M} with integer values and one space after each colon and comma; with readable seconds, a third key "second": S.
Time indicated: {"hour": 1, "minute": 58}
